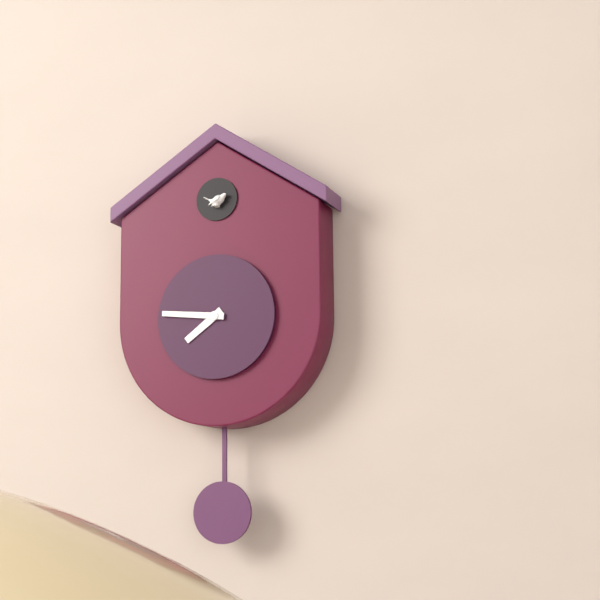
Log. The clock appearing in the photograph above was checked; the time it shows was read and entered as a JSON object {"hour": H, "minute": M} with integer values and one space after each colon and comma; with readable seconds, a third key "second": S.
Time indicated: {"hour": 7, "minute": 46}
